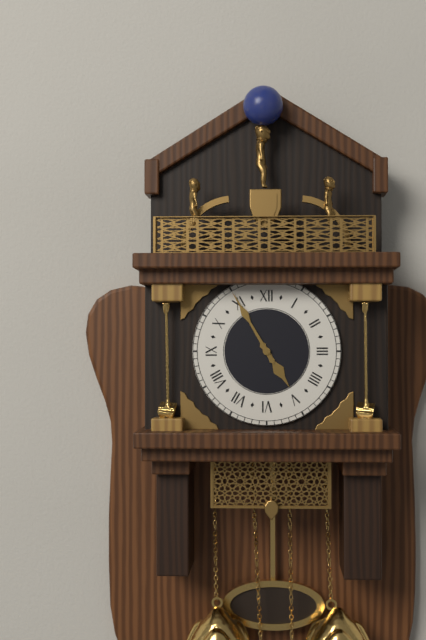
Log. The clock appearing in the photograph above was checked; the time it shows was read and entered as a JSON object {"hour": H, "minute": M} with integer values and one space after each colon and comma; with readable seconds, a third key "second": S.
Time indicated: {"hour": 4, "minute": 55}
